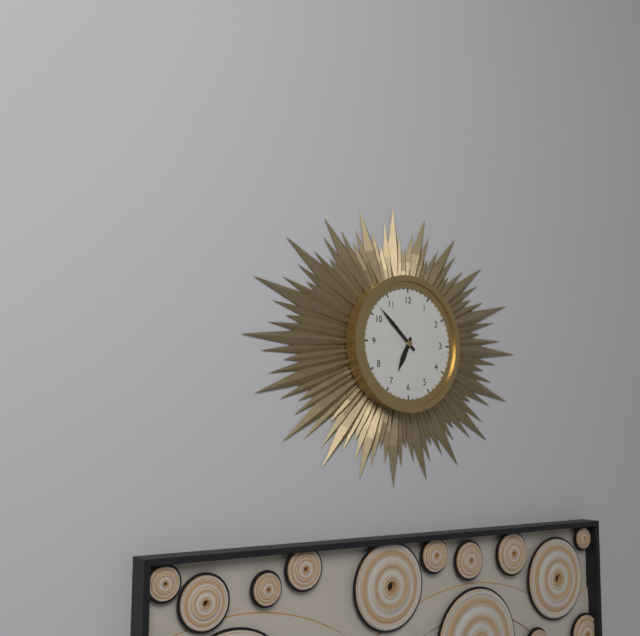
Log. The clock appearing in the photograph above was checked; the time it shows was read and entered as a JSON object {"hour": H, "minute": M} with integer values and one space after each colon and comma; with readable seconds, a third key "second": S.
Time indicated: {"hour": 6, "minute": 52}
